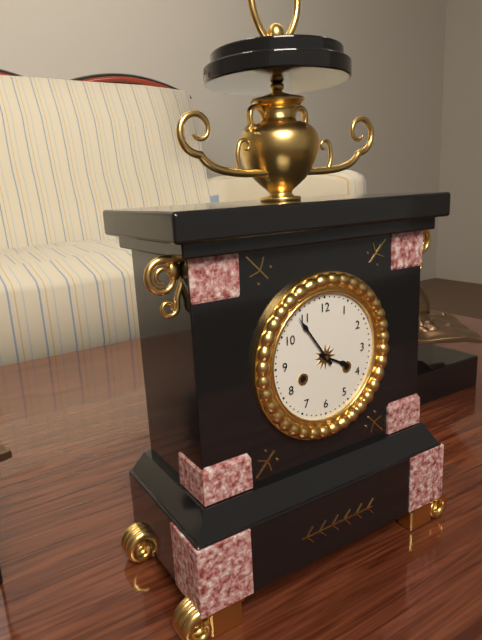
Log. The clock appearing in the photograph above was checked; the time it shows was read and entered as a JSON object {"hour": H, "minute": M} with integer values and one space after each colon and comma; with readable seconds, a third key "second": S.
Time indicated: {"hour": 3, "minute": 54}
